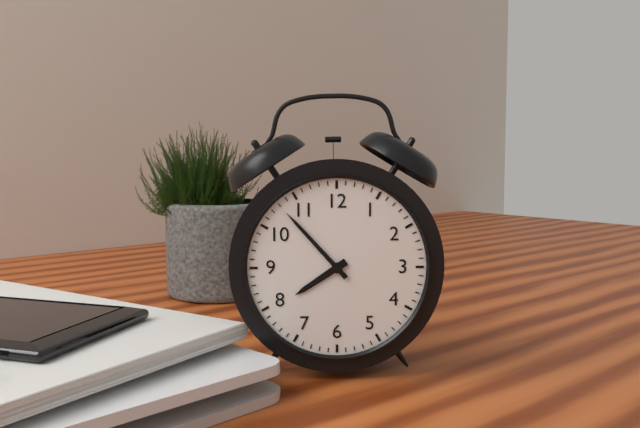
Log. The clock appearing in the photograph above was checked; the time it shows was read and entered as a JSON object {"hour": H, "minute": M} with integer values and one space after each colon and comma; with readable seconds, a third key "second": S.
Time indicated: {"hour": 7, "minute": 53}
